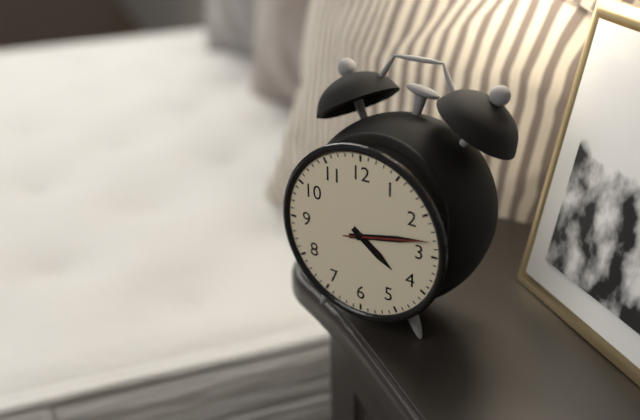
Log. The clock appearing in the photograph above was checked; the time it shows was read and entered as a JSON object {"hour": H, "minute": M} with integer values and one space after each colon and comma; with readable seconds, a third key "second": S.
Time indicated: {"hour": 4, "minute": 13, "second": 13}
